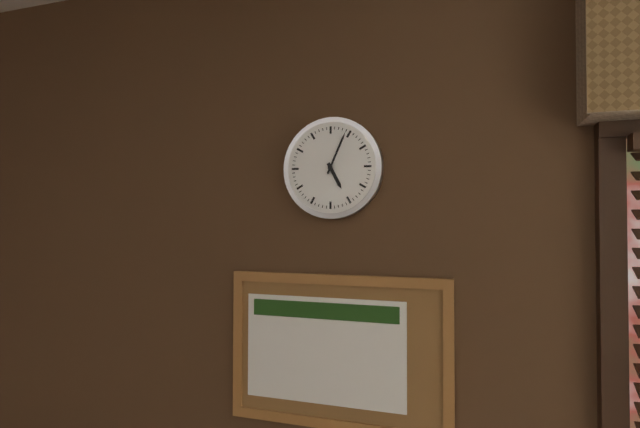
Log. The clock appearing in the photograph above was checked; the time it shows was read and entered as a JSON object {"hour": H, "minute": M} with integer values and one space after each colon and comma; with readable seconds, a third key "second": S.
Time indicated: {"hour": 5, "minute": 4}
